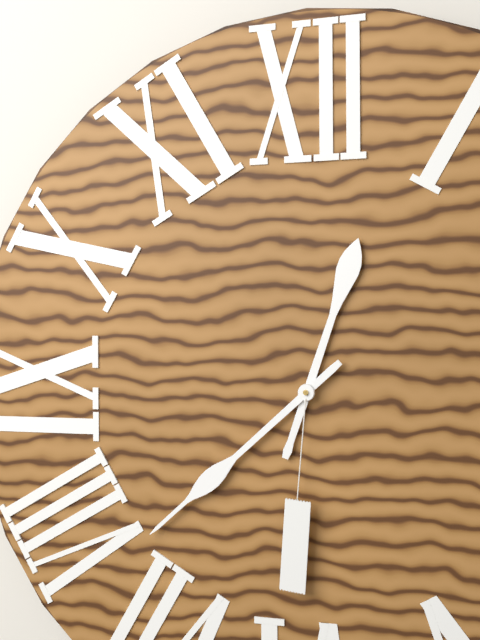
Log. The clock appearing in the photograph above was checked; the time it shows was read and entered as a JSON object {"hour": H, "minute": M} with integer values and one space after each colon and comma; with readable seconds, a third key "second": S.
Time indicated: {"hour": 12, "minute": 38}
